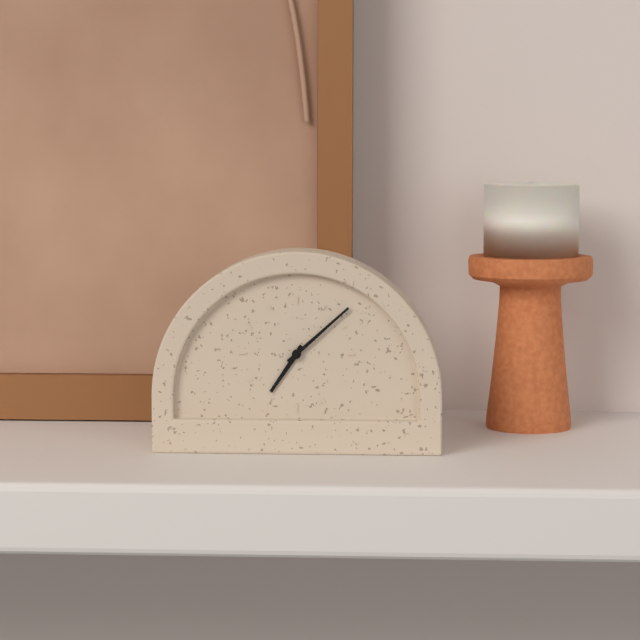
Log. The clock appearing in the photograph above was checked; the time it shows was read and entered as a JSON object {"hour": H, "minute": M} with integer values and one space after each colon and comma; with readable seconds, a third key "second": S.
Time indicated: {"hour": 7, "minute": 8}
